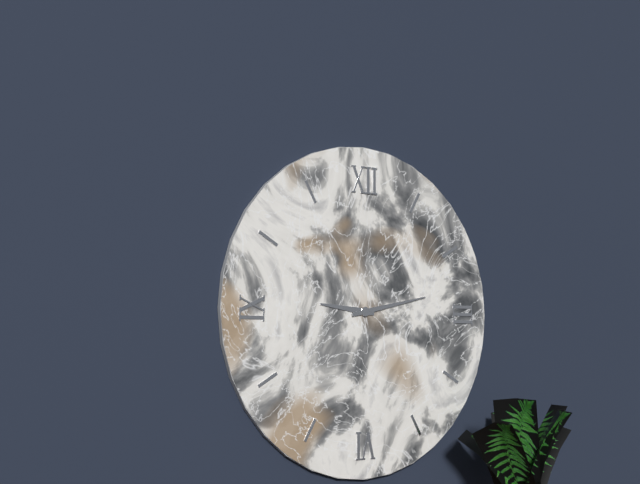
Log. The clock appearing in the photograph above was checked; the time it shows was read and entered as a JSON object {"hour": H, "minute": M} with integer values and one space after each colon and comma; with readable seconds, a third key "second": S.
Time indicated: {"hour": 9, "minute": 13}
